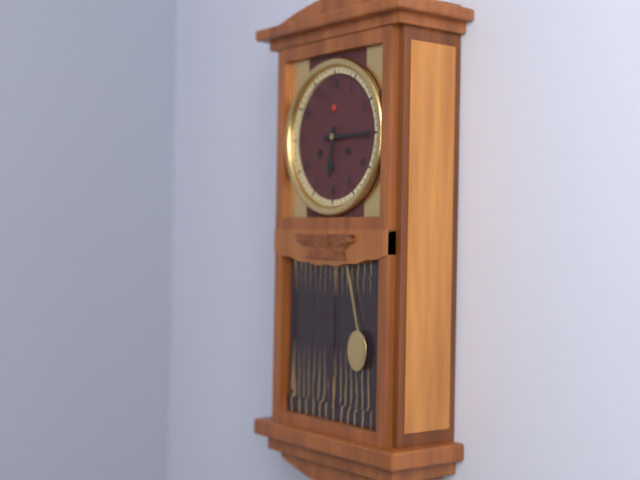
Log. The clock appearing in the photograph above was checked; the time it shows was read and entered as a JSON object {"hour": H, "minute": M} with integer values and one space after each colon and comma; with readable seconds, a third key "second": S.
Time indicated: {"hour": 6, "minute": 15}
